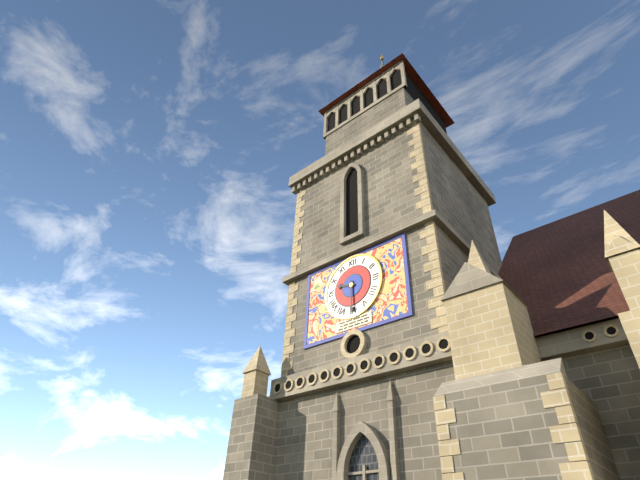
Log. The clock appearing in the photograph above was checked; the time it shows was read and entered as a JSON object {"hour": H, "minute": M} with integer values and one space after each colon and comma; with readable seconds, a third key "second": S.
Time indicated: {"hour": 9, "minute": 30}
